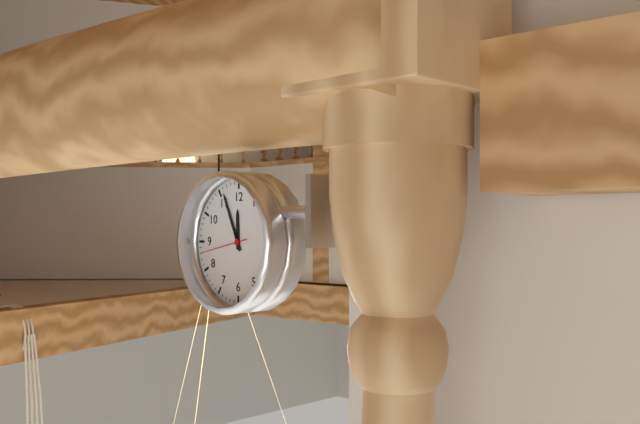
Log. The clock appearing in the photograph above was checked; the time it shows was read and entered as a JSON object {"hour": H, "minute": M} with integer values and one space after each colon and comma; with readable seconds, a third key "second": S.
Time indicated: {"hour": 11, "minute": 56}
